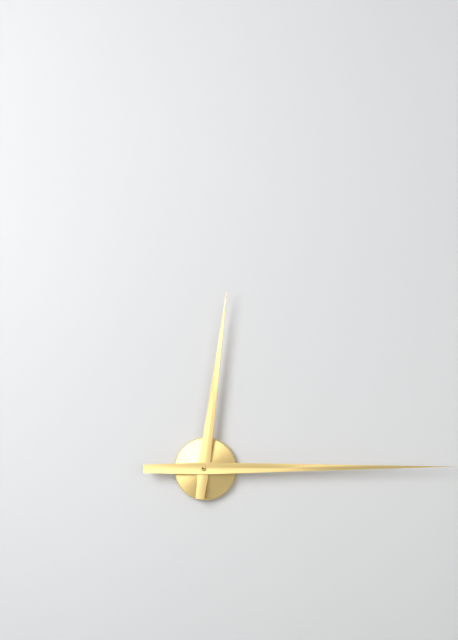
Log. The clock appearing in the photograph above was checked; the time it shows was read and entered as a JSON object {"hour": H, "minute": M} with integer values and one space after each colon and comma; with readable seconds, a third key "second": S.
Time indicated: {"hour": 12, "minute": 15}
